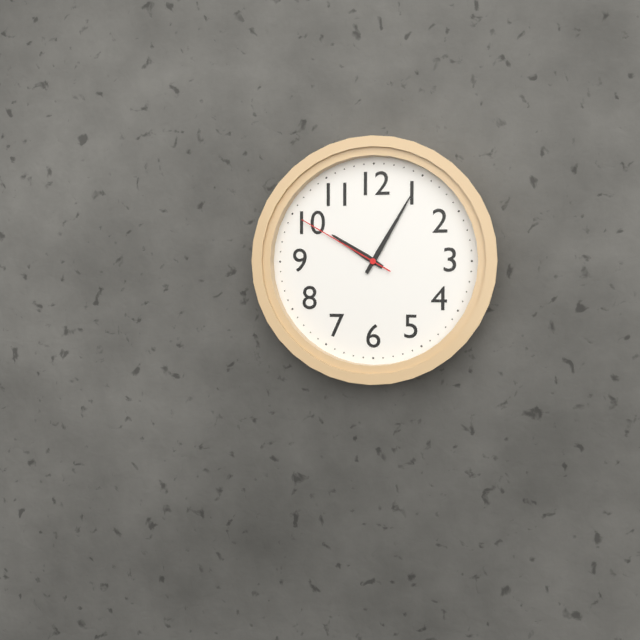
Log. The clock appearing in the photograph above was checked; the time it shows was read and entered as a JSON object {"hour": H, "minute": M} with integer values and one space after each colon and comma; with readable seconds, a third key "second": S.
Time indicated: {"hour": 10, "minute": 5, "second": 50}
